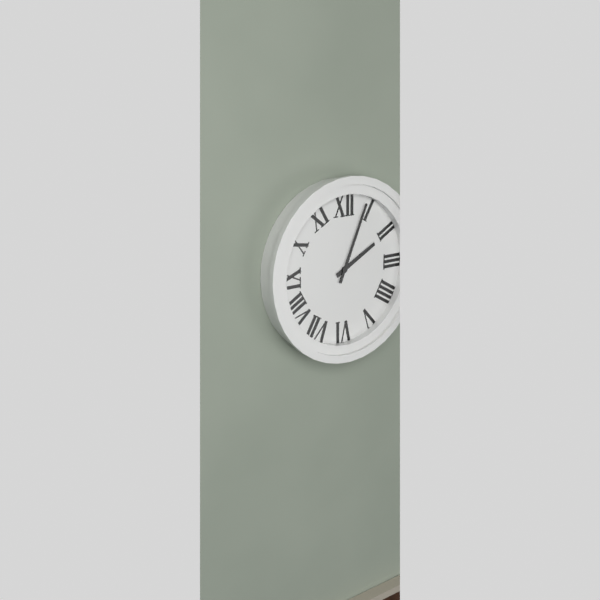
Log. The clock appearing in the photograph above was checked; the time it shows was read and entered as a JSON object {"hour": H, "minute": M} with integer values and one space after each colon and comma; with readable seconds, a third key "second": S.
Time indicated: {"hour": 2, "minute": 4}
